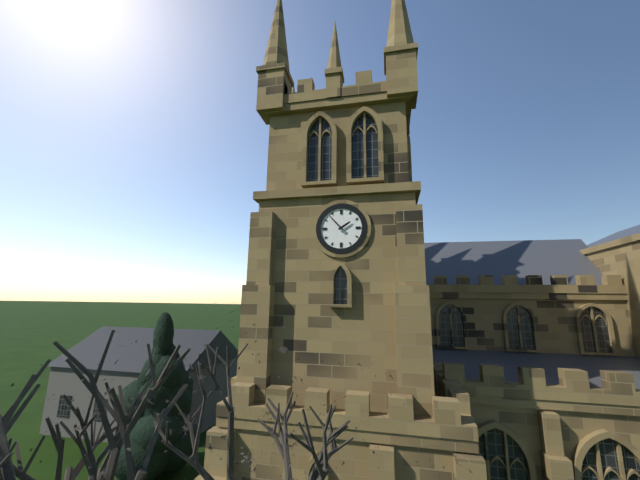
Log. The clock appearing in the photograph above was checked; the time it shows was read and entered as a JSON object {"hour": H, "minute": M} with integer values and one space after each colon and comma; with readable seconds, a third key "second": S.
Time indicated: {"hour": 1, "minute": 53}
